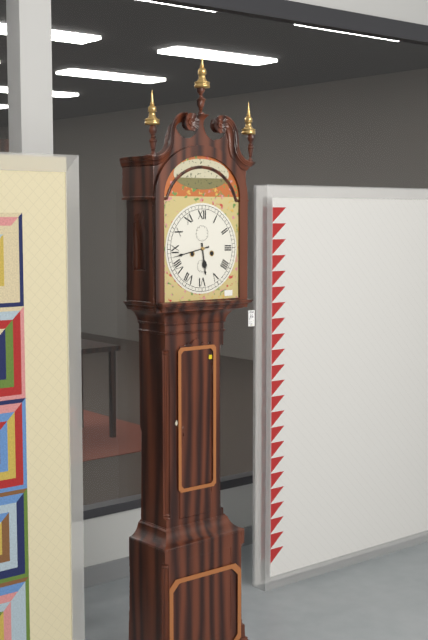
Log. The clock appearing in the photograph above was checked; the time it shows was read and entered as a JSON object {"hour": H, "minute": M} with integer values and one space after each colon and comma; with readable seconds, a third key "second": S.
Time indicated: {"hour": 5, "minute": 43}
